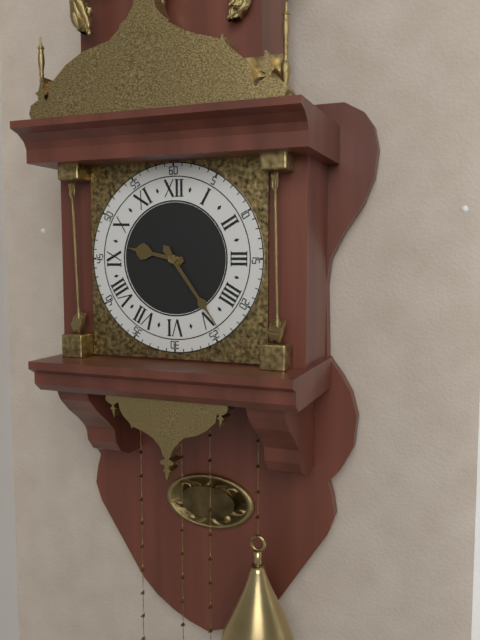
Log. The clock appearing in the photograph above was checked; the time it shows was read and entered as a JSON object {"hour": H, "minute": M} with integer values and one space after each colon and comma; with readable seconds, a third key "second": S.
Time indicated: {"hour": 9, "minute": 24}
